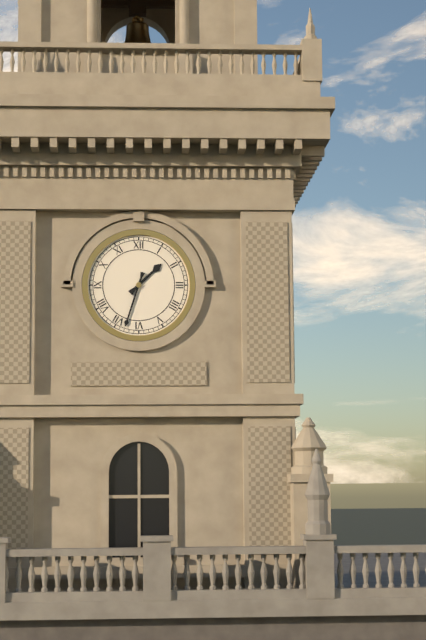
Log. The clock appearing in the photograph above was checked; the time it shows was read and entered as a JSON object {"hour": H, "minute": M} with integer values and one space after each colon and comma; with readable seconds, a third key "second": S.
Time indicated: {"hour": 1, "minute": 33}
